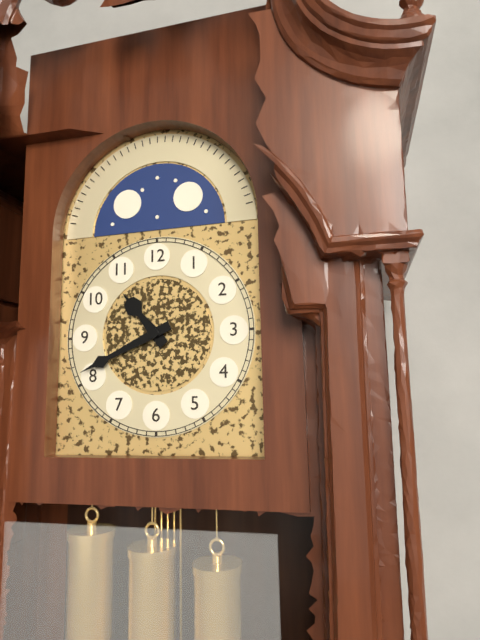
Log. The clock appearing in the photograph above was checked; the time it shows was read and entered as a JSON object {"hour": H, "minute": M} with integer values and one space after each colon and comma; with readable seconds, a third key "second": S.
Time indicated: {"hour": 10, "minute": 41}
